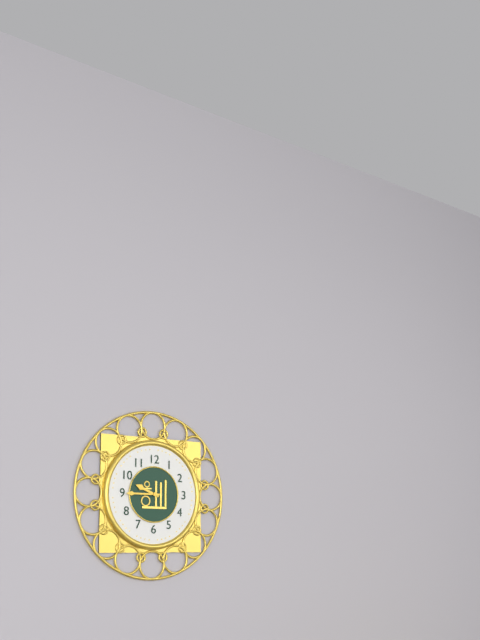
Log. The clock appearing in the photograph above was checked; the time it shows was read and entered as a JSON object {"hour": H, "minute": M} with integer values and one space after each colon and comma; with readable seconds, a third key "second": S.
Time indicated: {"hour": 9, "minute": 45}
